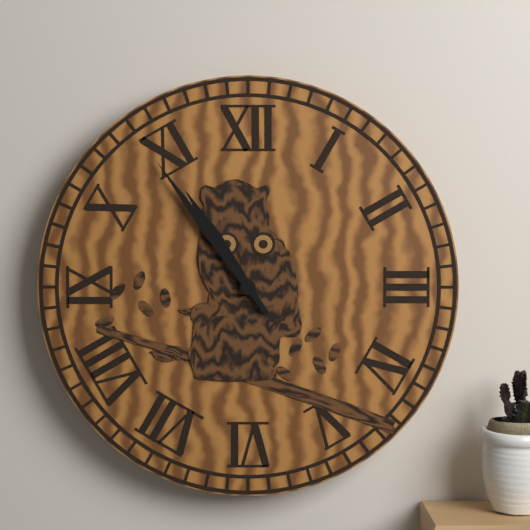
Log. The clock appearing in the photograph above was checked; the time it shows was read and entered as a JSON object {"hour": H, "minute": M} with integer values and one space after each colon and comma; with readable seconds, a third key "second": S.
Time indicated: {"hour": 10, "minute": 54}
